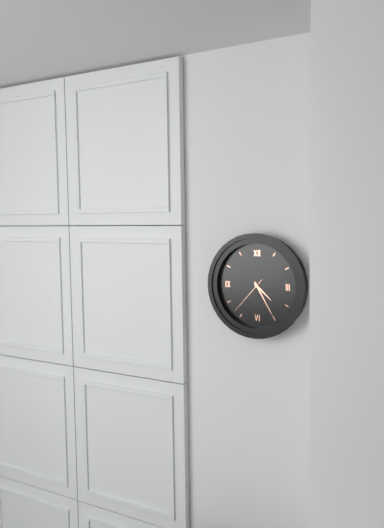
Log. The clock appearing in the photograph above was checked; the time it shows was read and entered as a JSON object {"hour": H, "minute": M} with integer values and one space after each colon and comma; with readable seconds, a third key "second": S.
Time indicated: {"hour": 4, "minute": 25}
